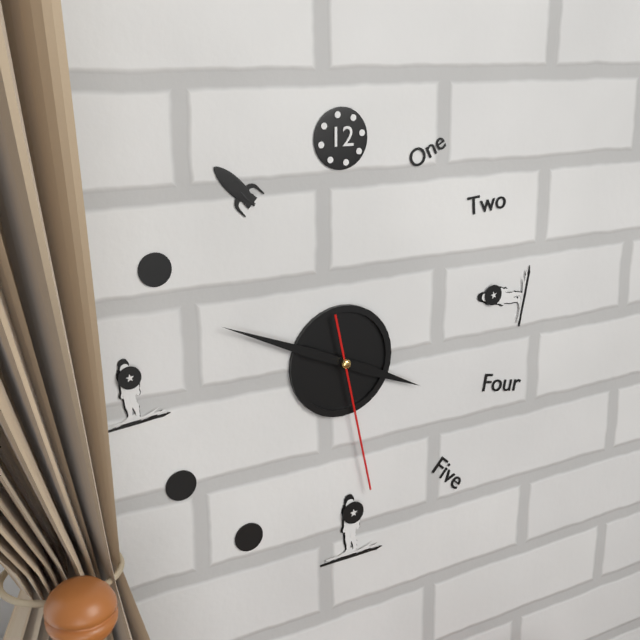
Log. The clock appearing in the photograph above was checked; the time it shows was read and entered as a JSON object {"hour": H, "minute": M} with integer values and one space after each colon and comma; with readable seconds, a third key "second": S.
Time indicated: {"hour": 3, "minute": 49, "second": 28}
